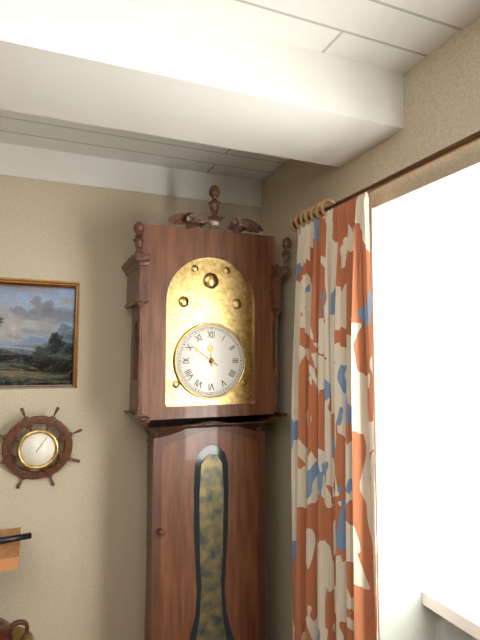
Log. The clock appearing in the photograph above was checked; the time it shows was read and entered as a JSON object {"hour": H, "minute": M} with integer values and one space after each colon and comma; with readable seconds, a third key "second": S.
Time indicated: {"hour": 11, "minute": 51}
